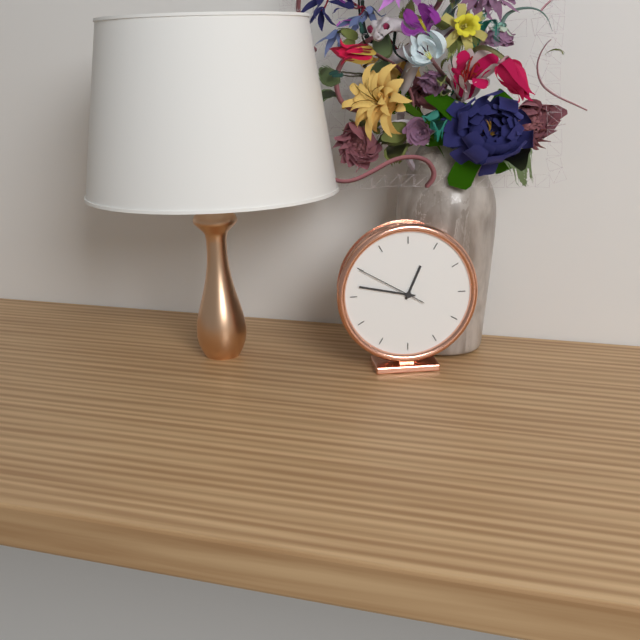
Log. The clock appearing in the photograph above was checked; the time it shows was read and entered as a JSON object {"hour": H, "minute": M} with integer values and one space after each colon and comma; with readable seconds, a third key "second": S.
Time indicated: {"hour": 12, "minute": 47, "second": 50}
